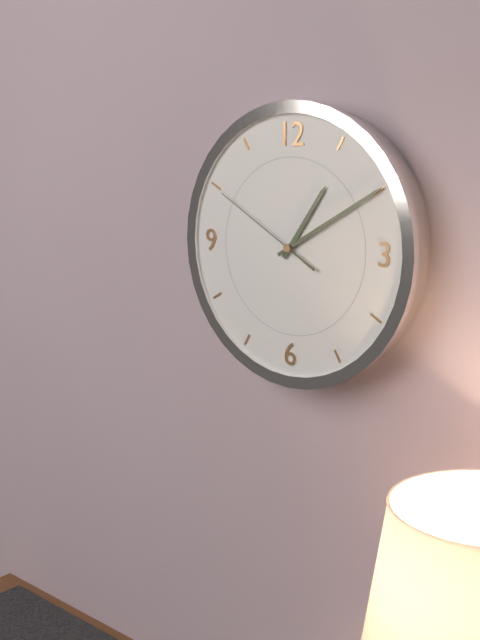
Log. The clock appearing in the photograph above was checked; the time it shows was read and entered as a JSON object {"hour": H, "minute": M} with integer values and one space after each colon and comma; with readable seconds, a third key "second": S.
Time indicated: {"hour": 1, "minute": 10, "second": 50}
